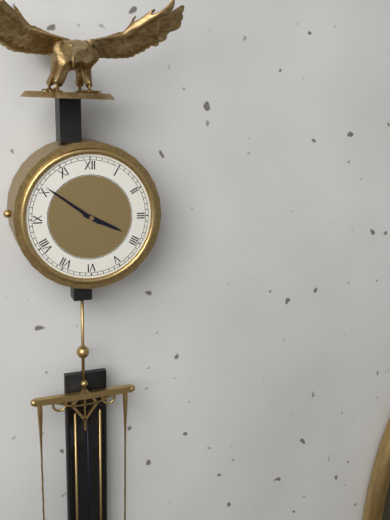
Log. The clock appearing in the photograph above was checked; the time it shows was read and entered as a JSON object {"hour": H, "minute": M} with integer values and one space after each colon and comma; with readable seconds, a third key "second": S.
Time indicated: {"hour": 3, "minute": 51}
